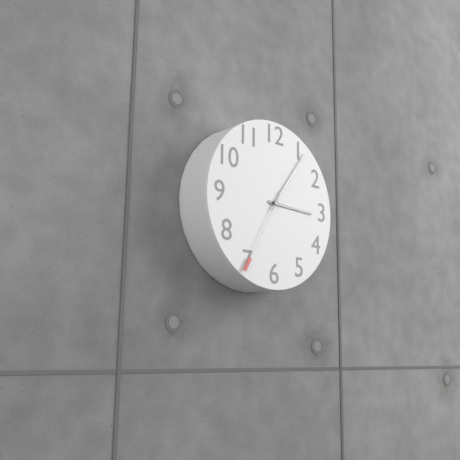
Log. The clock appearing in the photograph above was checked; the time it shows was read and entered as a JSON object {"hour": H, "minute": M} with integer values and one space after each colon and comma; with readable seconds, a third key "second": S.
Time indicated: {"hour": 3, "minute": 6, "second": 35}
